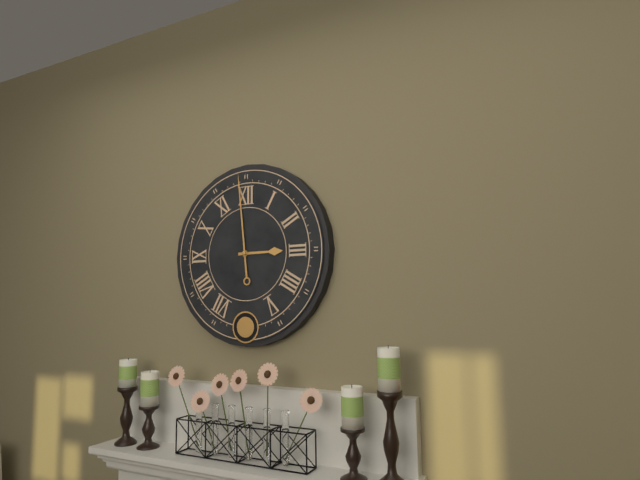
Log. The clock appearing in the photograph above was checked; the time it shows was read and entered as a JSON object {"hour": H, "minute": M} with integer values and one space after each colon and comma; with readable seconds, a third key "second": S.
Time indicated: {"hour": 2, "minute": 59}
